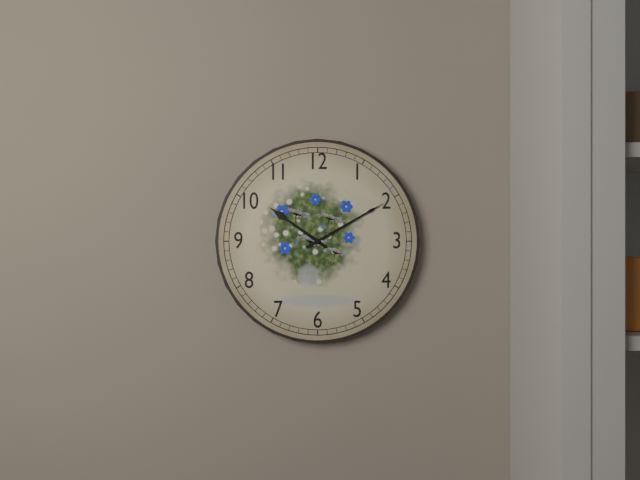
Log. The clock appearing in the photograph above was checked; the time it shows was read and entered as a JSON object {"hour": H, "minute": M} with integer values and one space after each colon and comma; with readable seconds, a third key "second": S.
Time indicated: {"hour": 10, "minute": 10}
